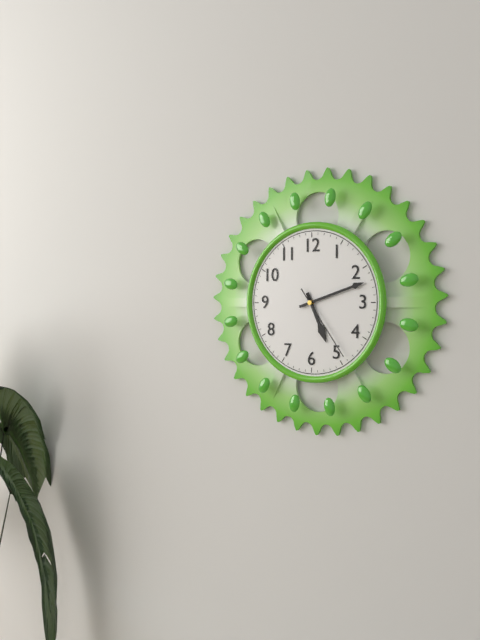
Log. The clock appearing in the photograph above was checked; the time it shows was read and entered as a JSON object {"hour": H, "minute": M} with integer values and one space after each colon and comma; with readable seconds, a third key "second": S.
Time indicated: {"hour": 5, "minute": 12, "second": 24}
